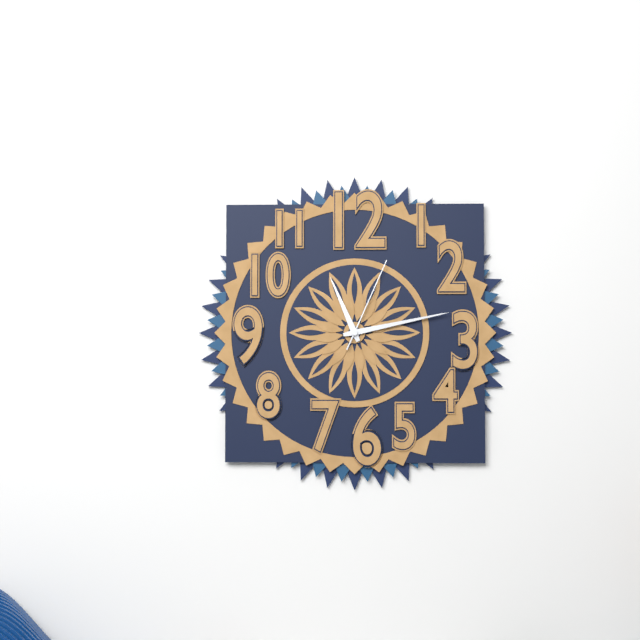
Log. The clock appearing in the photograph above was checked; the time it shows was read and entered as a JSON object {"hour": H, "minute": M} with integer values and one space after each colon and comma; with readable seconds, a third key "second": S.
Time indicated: {"hour": 11, "minute": 13, "second": 4}
